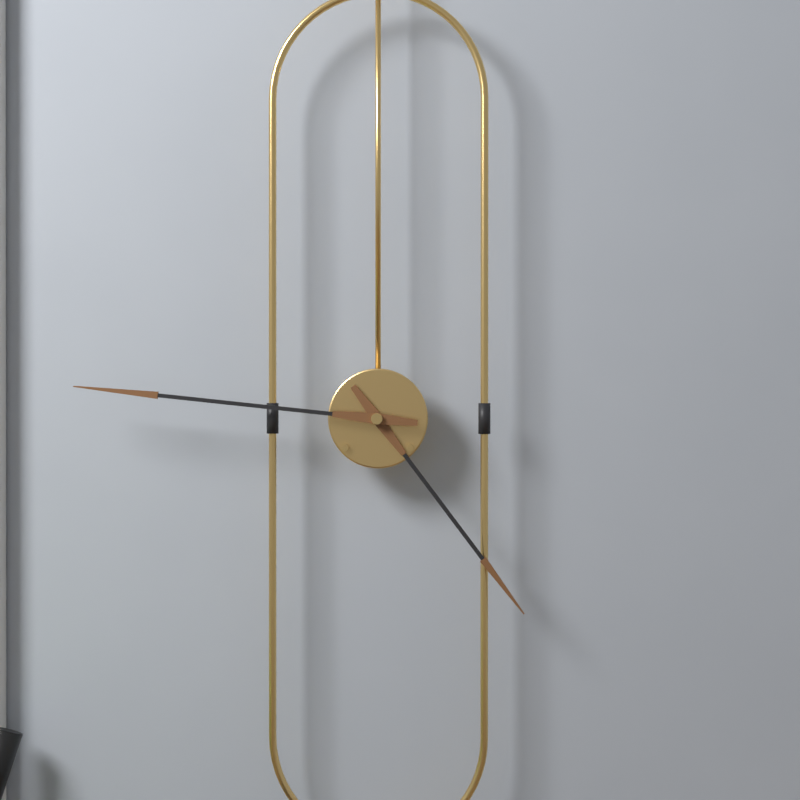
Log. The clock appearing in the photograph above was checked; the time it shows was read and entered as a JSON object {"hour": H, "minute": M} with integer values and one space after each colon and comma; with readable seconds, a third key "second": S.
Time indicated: {"hour": 4, "minute": 46}
